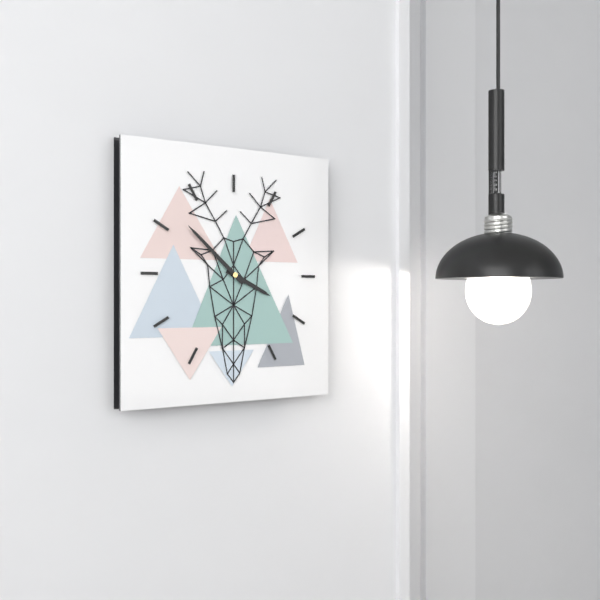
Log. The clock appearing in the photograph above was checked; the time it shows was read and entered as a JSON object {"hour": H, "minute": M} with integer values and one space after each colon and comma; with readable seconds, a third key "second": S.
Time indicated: {"hour": 3, "minute": 52}
